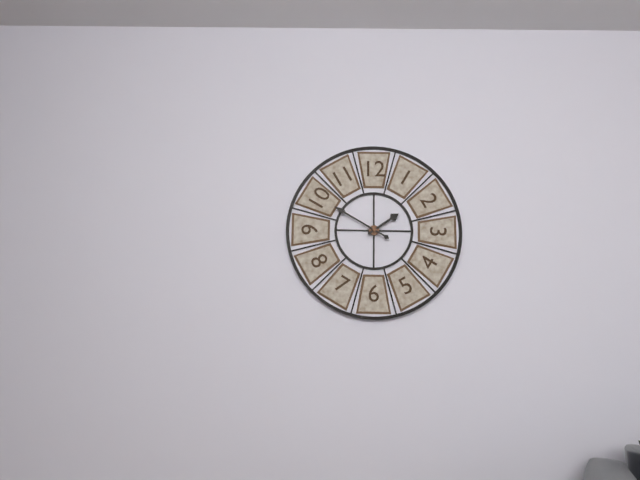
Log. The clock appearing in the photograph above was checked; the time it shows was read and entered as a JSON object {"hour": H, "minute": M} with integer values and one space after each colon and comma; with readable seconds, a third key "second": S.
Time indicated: {"hour": 1, "minute": 50}
